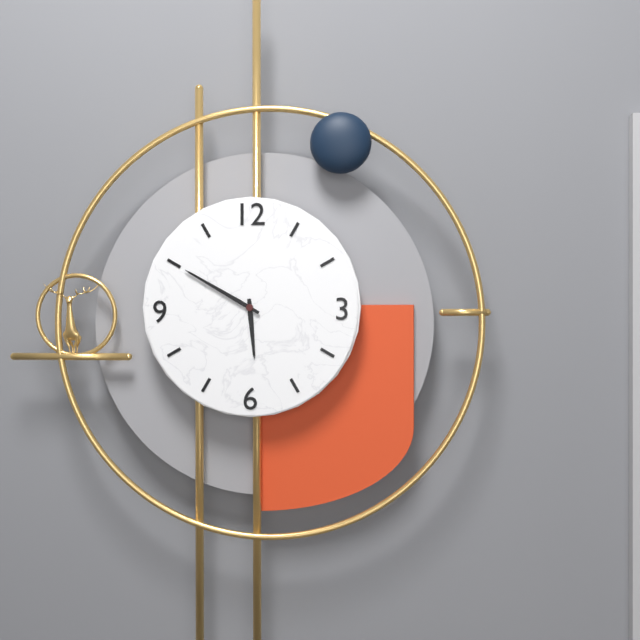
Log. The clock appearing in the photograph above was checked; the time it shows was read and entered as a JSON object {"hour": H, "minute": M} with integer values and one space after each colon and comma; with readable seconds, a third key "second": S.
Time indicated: {"hour": 5, "minute": 50}
